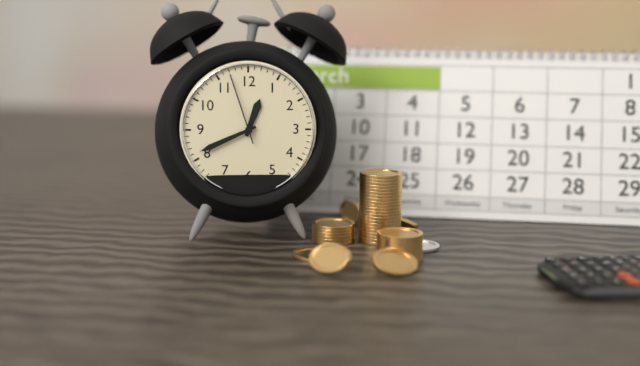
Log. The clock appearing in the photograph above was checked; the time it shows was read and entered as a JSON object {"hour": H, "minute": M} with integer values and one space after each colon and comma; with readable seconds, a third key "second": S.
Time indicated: {"hour": 12, "minute": 41, "second": 57}
